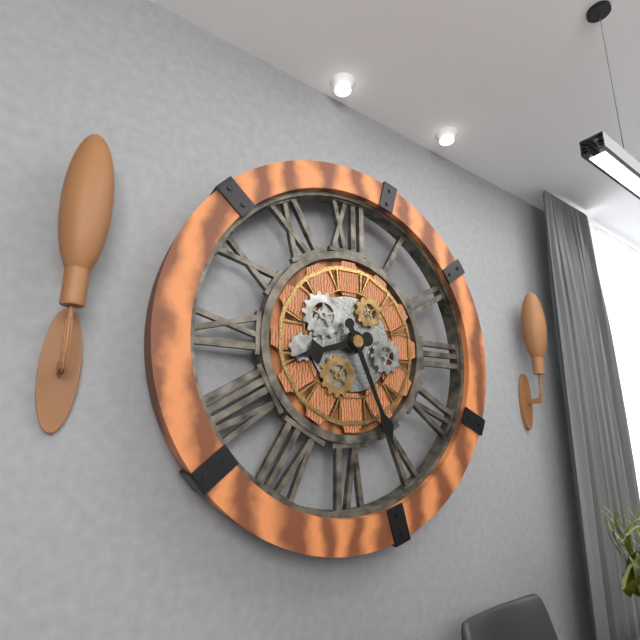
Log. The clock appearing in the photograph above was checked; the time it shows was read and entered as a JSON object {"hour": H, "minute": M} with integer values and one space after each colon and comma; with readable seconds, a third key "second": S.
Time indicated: {"hour": 8, "minute": 26}
